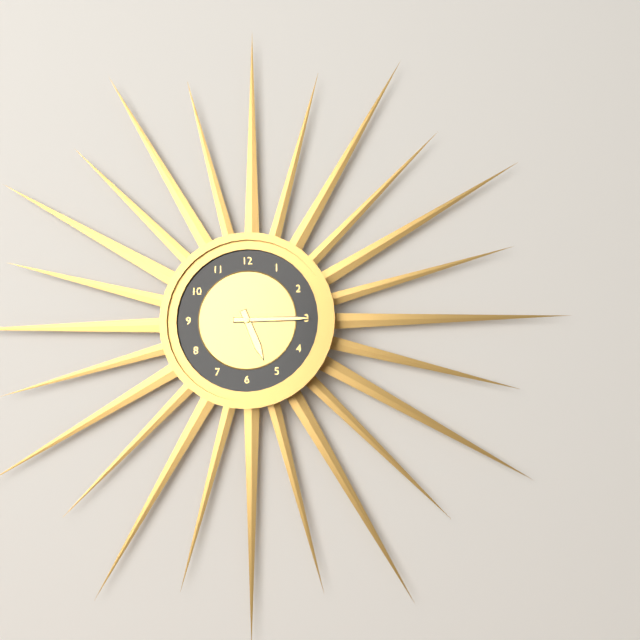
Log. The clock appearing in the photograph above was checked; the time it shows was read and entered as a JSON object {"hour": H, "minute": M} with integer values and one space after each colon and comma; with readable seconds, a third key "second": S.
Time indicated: {"hour": 5, "minute": 15}
